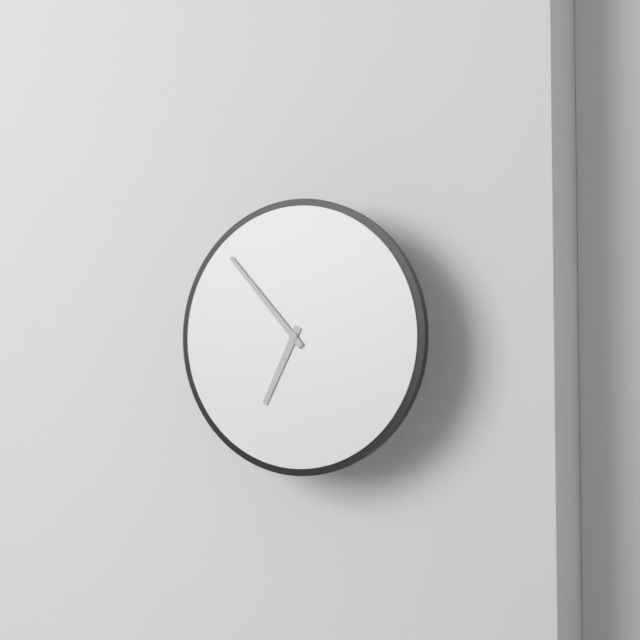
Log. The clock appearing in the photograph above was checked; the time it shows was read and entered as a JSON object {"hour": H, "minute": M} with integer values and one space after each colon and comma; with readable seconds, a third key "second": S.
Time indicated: {"hour": 6, "minute": 53}
